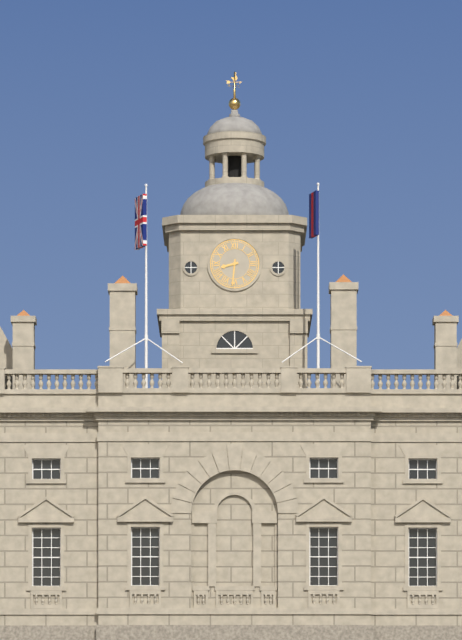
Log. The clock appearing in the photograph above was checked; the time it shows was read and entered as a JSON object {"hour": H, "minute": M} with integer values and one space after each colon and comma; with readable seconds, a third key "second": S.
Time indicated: {"hour": 8, "minute": 31}
